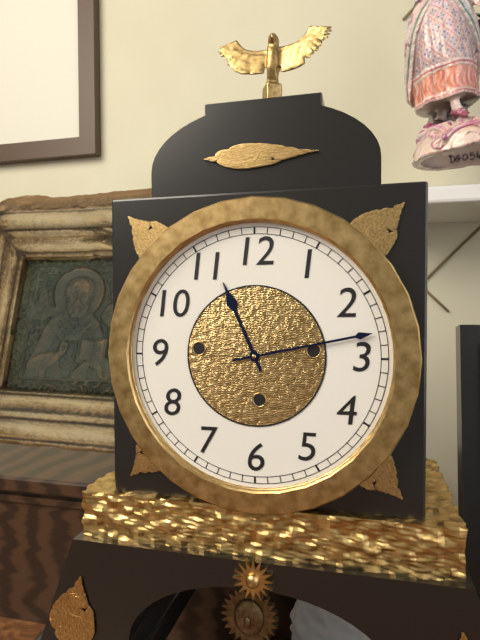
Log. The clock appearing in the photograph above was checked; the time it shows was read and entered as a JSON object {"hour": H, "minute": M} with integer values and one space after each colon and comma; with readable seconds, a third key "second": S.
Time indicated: {"hour": 11, "minute": 13}
